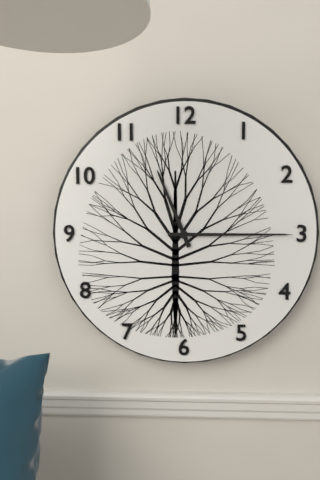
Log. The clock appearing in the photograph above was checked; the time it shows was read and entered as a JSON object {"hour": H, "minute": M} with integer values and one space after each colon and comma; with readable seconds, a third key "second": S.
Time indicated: {"hour": 11, "minute": 15}
